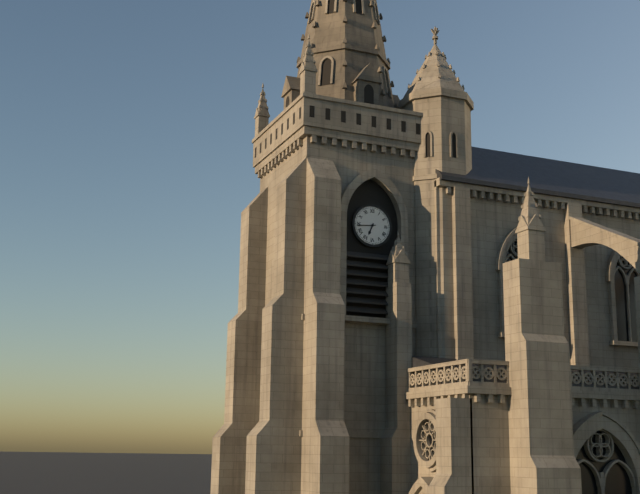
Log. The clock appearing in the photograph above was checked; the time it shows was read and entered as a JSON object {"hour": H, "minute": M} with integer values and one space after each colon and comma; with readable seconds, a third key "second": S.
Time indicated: {"hour": 6, "minute": 44}
